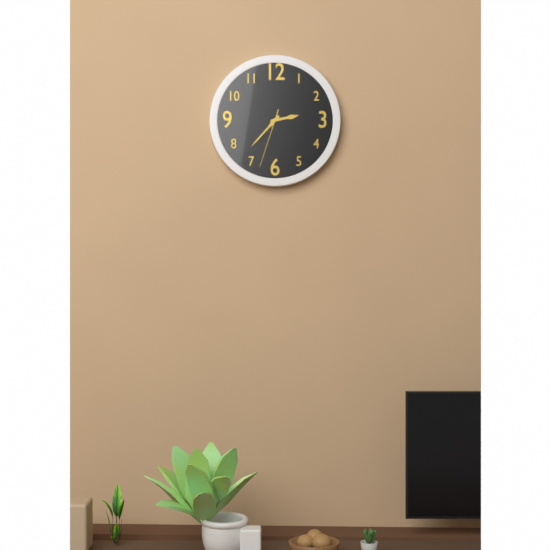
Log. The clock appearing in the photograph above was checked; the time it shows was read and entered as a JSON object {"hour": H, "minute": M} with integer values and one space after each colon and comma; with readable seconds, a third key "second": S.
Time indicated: {"hour": 2, "minute": 37, "second": 33}
